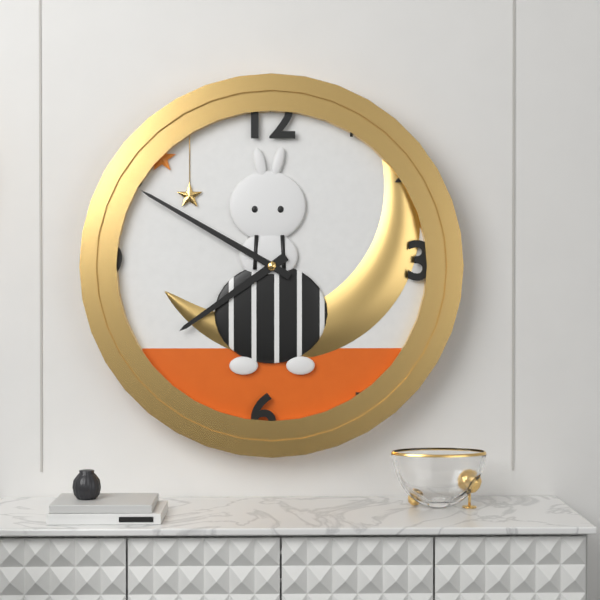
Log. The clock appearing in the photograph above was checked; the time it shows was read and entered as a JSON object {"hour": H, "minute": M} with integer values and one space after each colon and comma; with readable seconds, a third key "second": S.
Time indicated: {"hour": 7, "minute": 50}
